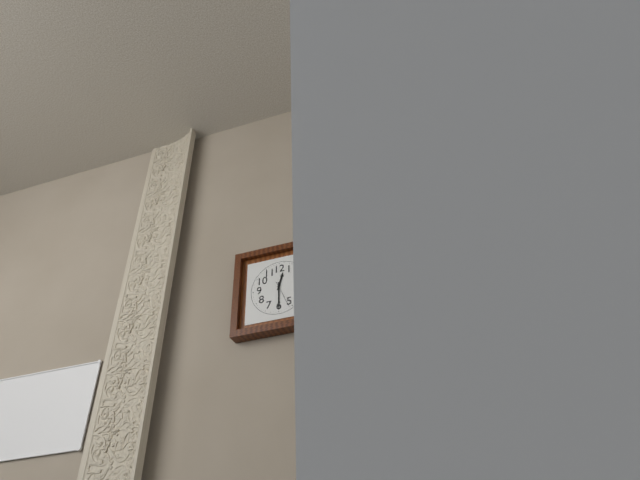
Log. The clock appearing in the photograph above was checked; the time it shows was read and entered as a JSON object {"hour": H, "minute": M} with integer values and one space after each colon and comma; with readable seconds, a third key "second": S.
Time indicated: {"hour": 12, "minute": 30}
